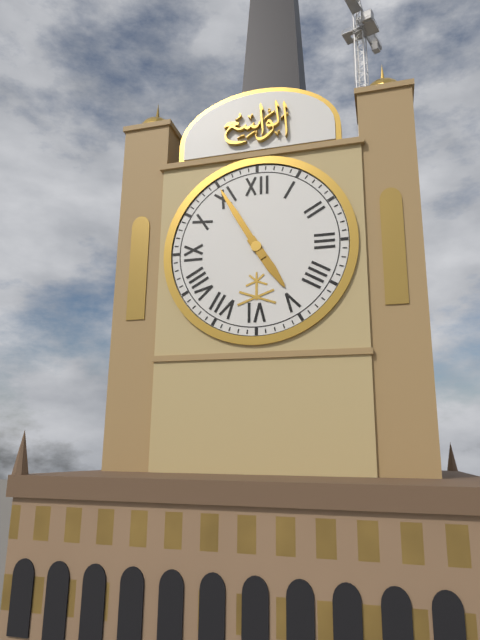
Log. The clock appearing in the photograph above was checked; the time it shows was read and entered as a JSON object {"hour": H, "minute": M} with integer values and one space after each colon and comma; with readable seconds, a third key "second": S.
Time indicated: {"hour": 4, "minute": 55}
